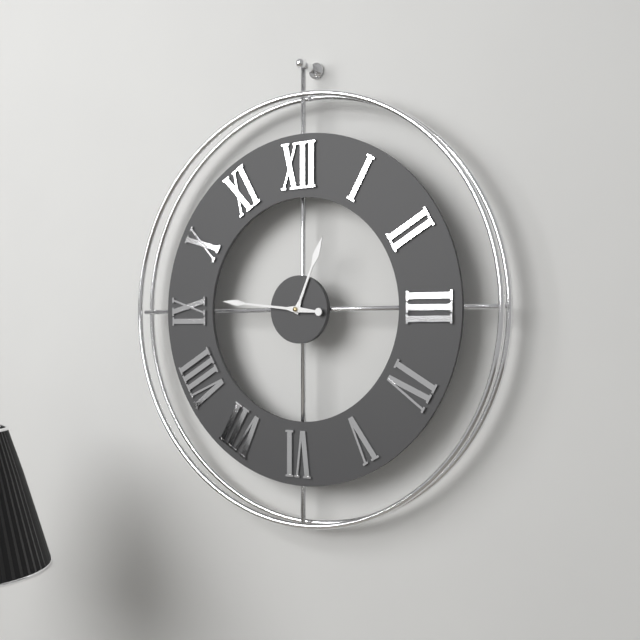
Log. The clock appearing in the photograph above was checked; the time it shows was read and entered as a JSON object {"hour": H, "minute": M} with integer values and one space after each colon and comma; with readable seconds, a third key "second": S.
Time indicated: {"hour": 12, "minute": 46}
